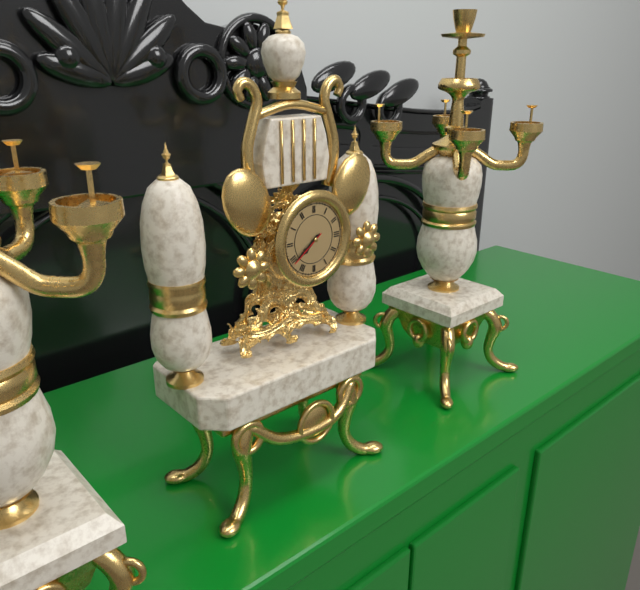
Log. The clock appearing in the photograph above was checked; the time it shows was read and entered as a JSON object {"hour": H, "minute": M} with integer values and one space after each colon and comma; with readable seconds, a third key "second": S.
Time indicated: {"hour": 7, "minute": 39}
